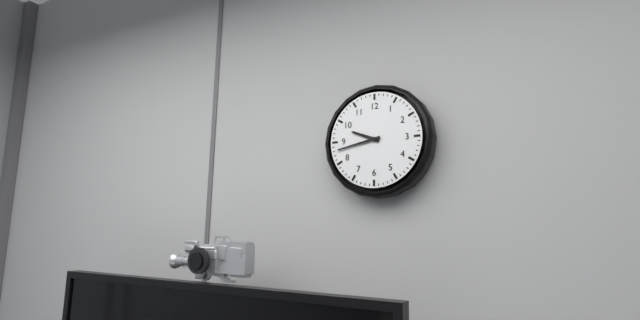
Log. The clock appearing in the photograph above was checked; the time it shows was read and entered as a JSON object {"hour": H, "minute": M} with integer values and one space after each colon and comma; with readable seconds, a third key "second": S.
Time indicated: {"hour": 9, "minute": 43}
